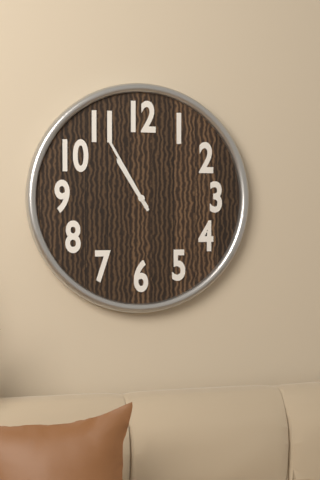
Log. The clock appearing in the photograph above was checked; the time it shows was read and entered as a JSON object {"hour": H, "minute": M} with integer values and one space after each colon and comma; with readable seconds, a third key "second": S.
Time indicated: {"hour": 10, "minute": 55}
